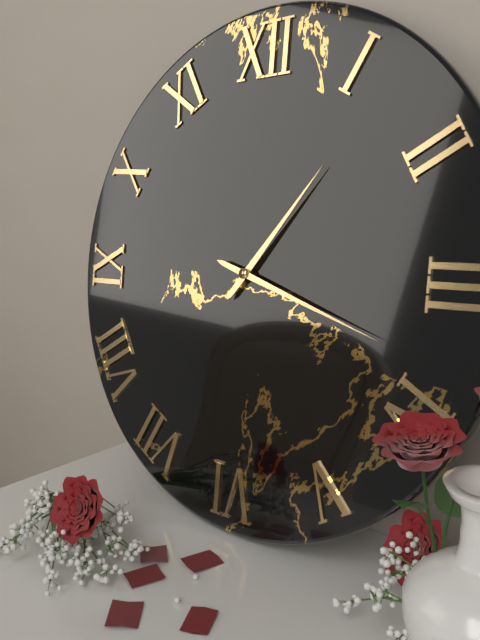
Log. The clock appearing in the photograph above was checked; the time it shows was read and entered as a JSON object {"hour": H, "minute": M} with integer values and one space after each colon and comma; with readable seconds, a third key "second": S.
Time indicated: {"hour": 1, "minute": 18}
